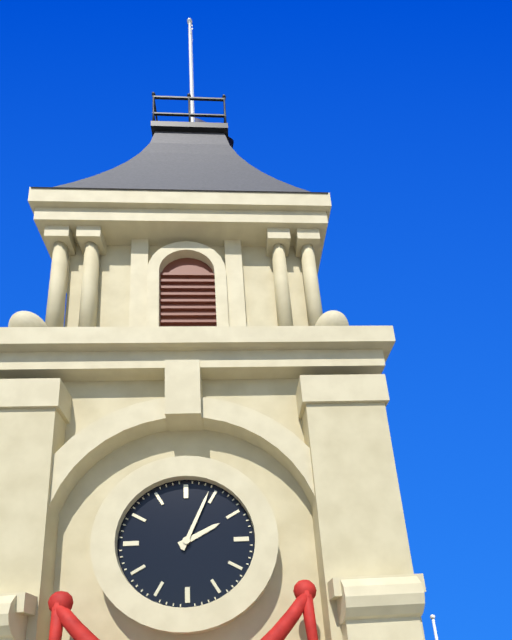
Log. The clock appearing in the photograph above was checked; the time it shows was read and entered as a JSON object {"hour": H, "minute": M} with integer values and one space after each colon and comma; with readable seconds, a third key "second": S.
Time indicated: {"hour": 2, "minute": 4}
